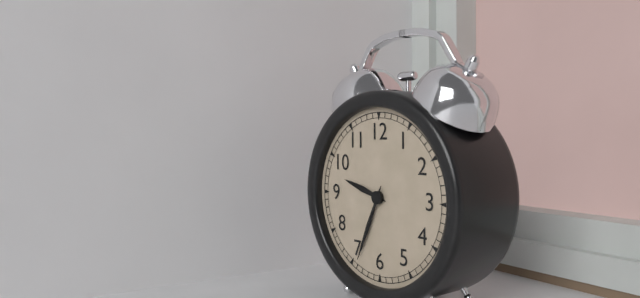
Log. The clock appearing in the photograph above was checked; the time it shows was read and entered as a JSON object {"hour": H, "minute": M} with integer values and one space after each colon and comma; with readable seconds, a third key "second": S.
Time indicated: {"hour": 9, "minute": 34}
